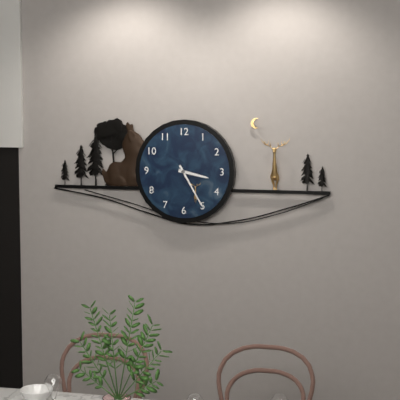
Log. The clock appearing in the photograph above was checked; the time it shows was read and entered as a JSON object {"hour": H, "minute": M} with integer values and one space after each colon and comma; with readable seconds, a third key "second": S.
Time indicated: {"hour": 3, "minute": 25}
